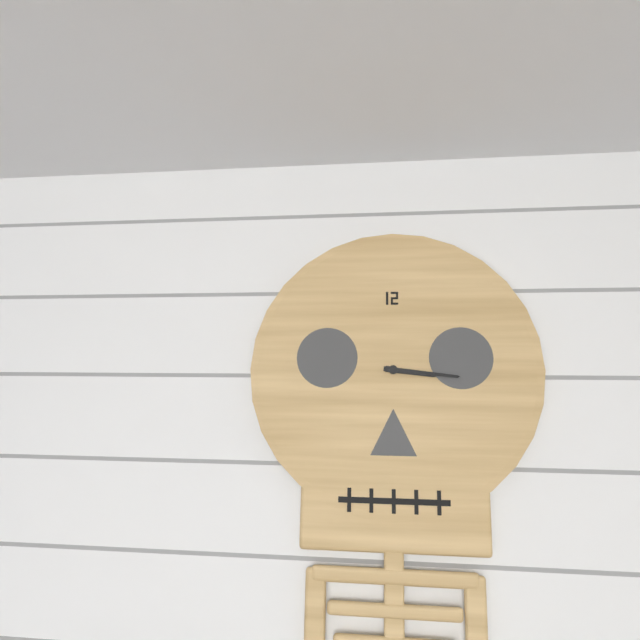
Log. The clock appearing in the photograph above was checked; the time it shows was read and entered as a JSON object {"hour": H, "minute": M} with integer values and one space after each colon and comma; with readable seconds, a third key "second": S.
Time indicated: {"hour": 3, "minute": 16}
